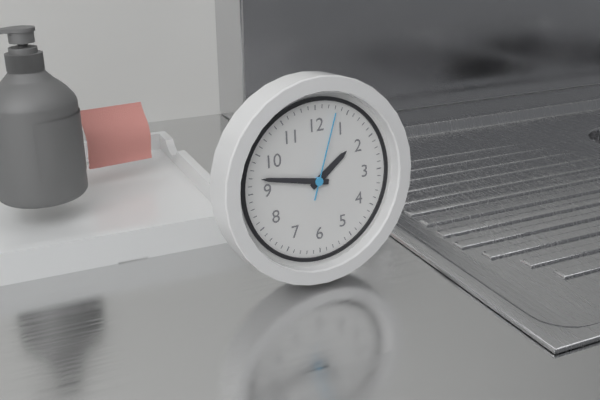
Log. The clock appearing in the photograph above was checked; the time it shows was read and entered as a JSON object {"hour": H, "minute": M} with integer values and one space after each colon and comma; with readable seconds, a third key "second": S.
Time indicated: {"hour": 1, "minute": 47, "second": 3}
